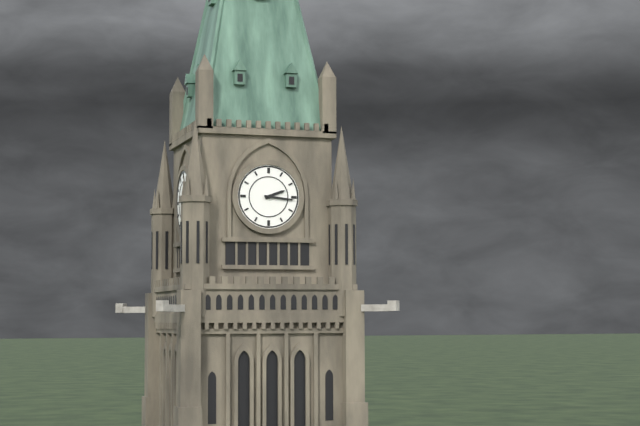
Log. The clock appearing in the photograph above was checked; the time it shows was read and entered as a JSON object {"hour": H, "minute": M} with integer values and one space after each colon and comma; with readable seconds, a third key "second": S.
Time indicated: {"hour": 2, "minute": 16}
